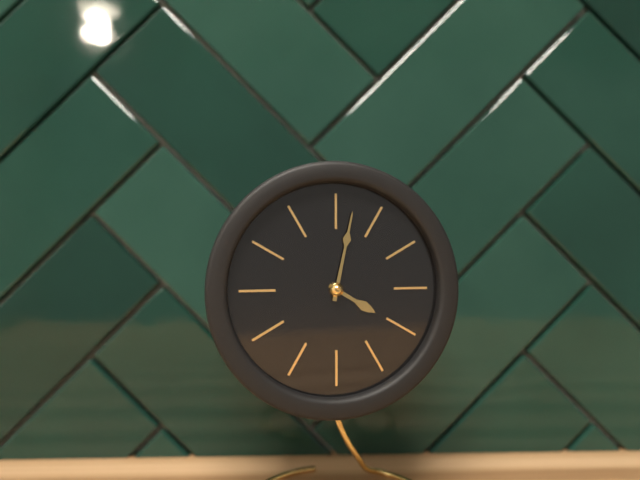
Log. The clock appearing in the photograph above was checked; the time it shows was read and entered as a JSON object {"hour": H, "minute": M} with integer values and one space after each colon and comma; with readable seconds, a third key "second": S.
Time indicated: {"hour": 4, "minute": 2}
